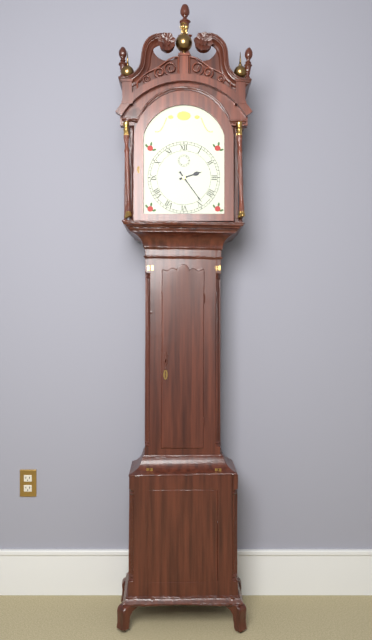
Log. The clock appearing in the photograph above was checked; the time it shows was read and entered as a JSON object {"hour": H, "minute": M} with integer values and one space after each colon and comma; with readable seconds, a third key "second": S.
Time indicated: {"hour": 2, "minute": 24}
